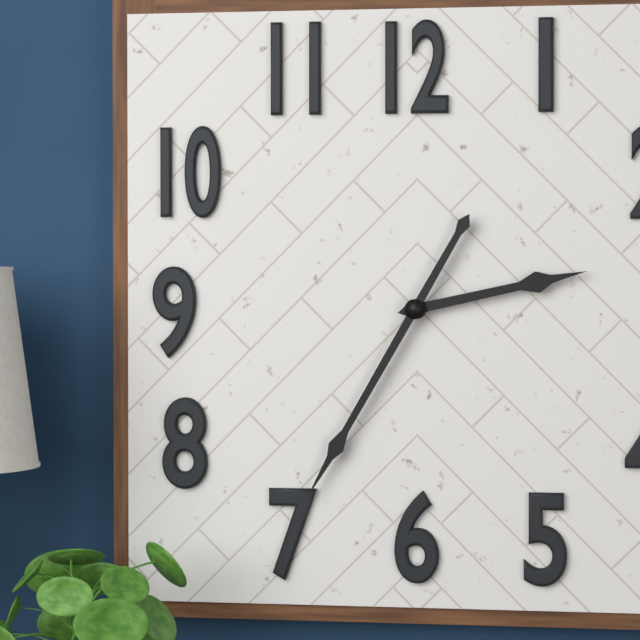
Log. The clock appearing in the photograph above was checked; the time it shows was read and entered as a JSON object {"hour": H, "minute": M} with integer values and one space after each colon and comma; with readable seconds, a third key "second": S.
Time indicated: {"hour": 2, "minute": 35}
